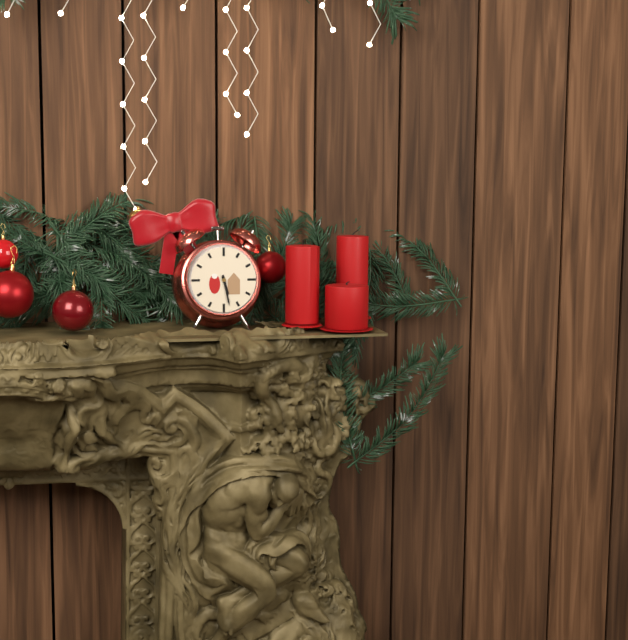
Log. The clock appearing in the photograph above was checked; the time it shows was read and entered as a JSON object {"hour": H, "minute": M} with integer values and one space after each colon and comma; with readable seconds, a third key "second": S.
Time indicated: {"hour": 5, "minute": 28}
